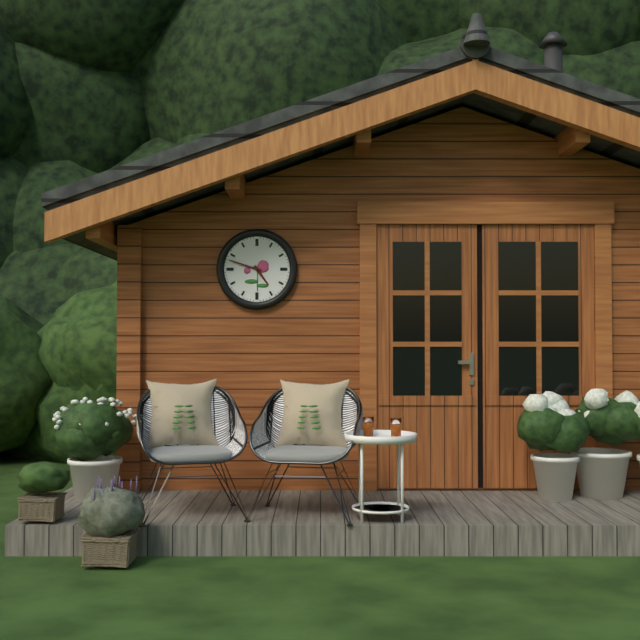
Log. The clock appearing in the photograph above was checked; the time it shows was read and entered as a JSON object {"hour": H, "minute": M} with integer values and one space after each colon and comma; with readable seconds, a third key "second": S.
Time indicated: {"hour": 4, "minute": 48}
